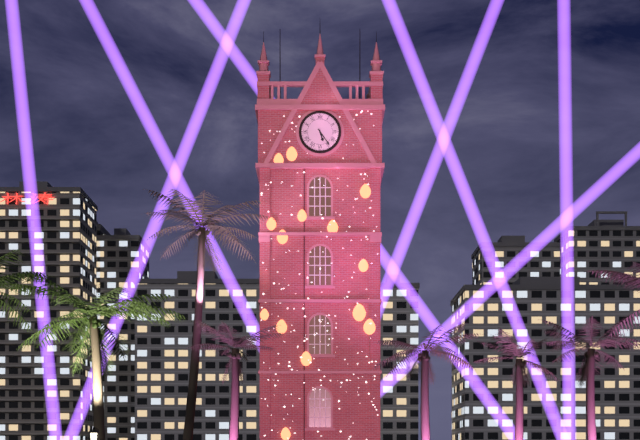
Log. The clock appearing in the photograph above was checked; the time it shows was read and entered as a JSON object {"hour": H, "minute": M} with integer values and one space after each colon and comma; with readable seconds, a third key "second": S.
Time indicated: {"hour": 5, "minute": 24}
